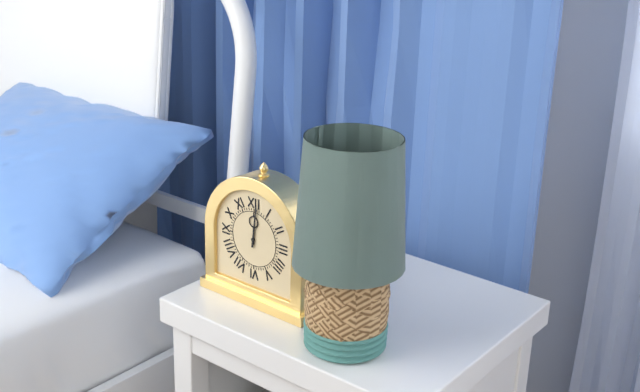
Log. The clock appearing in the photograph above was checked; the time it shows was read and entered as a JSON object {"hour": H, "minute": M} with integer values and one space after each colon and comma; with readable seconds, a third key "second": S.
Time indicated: {"hour": 12, "minute": 1}
